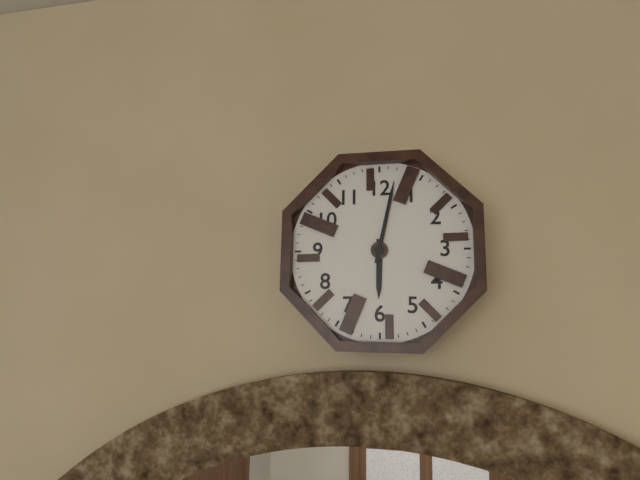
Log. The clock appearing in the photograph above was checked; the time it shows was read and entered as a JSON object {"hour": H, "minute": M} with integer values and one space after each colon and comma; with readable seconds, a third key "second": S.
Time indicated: {"hour": 6, "minute": 2}
